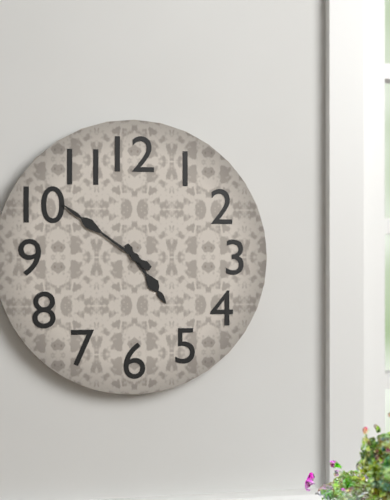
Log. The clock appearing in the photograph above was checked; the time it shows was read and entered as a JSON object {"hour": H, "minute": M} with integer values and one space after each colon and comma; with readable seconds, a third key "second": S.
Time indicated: {"hour": 4, "minute": 51}
